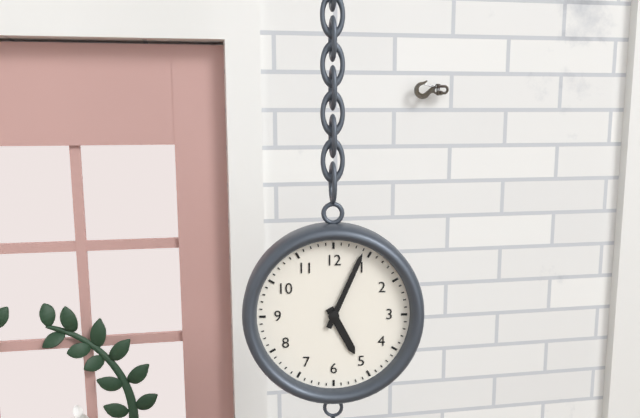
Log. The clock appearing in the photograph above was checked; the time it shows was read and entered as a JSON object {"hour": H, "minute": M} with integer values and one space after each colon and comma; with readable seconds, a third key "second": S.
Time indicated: {"hour": 5, "minute": 4}
